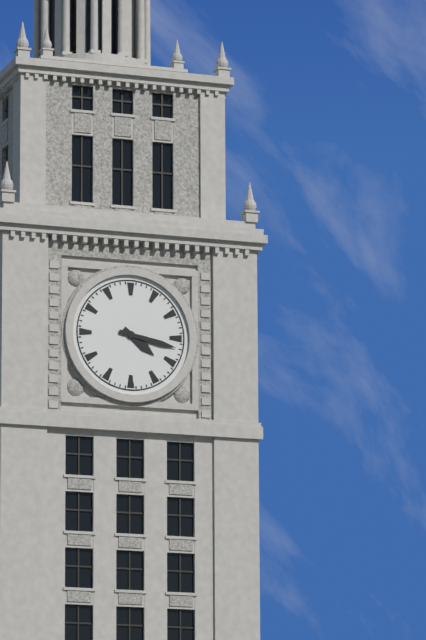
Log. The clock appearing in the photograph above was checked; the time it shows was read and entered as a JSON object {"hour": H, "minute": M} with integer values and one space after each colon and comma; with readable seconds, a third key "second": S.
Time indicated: {"hour": 4, "minute": 17}
